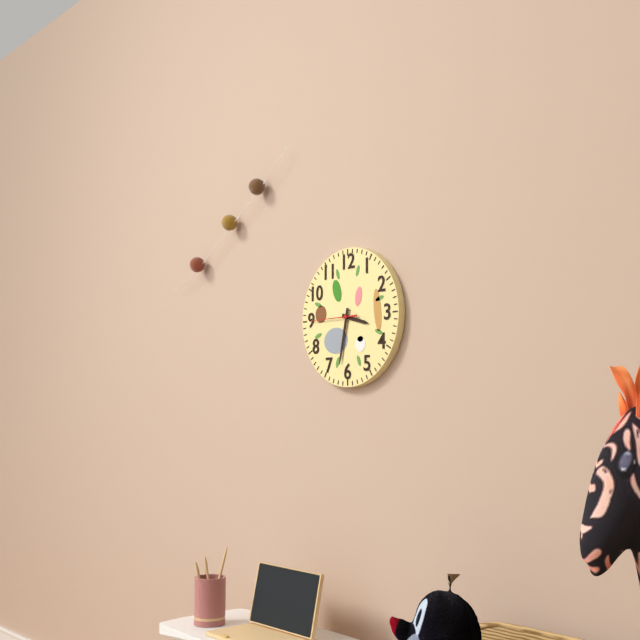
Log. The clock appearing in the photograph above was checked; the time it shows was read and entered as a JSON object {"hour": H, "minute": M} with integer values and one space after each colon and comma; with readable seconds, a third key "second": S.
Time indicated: {"hour": 3, "minute": 32}
